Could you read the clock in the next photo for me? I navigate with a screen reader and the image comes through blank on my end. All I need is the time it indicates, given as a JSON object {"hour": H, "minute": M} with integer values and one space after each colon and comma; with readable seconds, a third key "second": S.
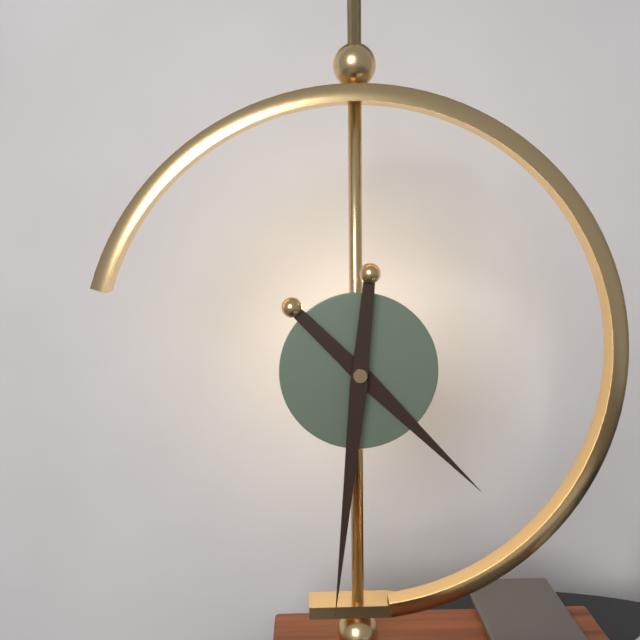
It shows {"hour": 4, "minute": 31}
